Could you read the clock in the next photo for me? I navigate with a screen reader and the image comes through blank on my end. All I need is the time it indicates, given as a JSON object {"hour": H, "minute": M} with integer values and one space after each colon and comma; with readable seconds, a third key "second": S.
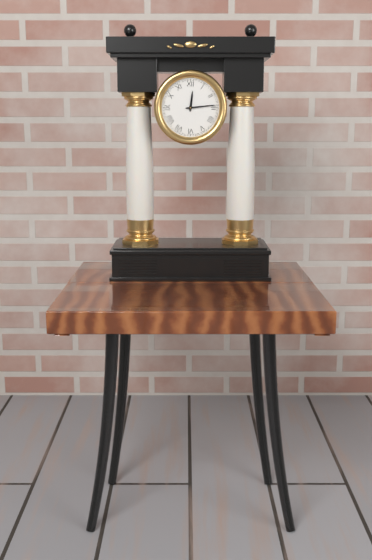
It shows {"hour": 12, "minute": 14}
